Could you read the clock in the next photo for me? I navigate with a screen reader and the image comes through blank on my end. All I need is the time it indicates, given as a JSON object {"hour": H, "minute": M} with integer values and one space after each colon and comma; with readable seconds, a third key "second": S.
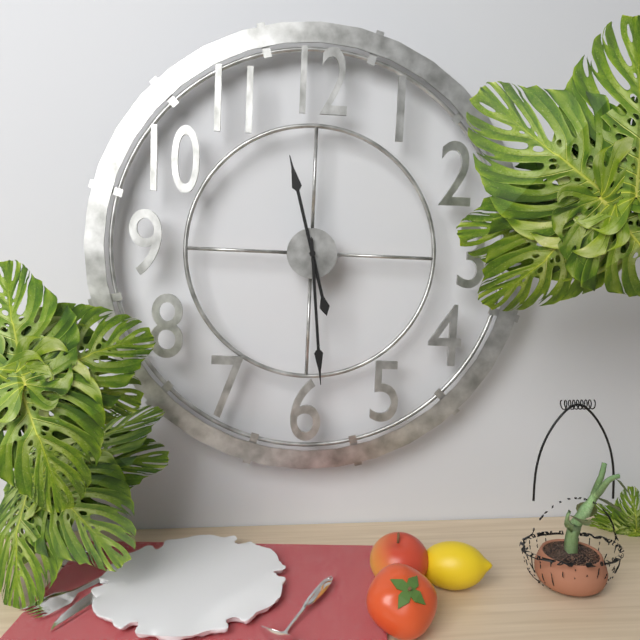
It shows {"hour": 11, "minute": 29}
